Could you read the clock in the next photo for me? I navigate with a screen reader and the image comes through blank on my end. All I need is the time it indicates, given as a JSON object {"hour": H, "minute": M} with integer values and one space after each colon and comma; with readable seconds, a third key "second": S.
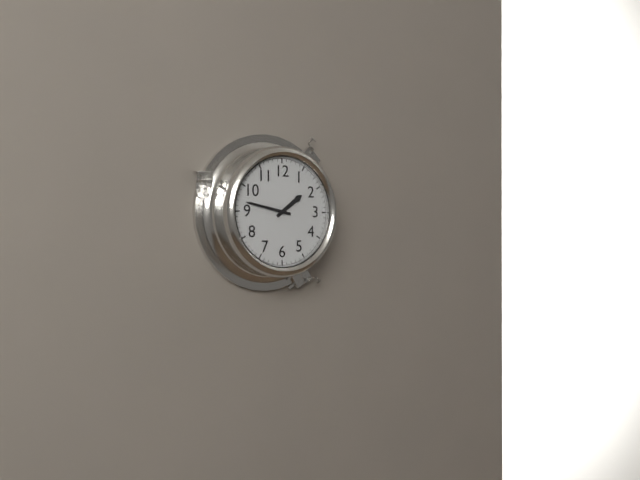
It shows {"hour": 1, "minute": 47}
